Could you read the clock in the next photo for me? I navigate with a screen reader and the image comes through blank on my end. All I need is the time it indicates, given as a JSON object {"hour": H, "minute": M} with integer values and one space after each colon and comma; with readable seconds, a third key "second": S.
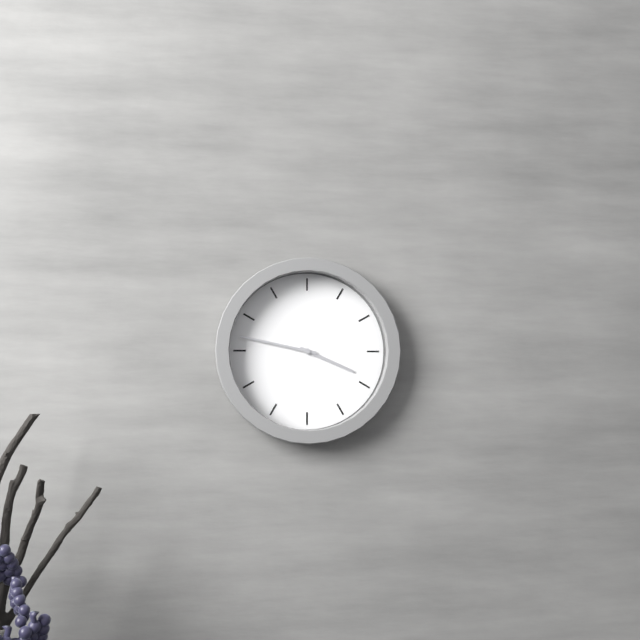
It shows {"hour": 3, "minute": 47}
